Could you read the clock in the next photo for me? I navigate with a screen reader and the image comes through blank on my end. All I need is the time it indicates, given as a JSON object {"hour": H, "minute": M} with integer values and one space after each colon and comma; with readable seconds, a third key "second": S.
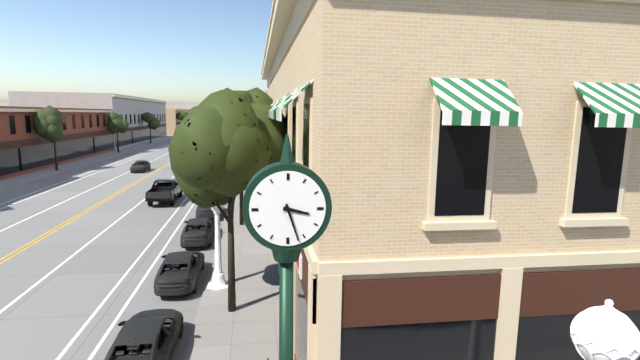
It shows {"hour": 3, "minute": 27}
